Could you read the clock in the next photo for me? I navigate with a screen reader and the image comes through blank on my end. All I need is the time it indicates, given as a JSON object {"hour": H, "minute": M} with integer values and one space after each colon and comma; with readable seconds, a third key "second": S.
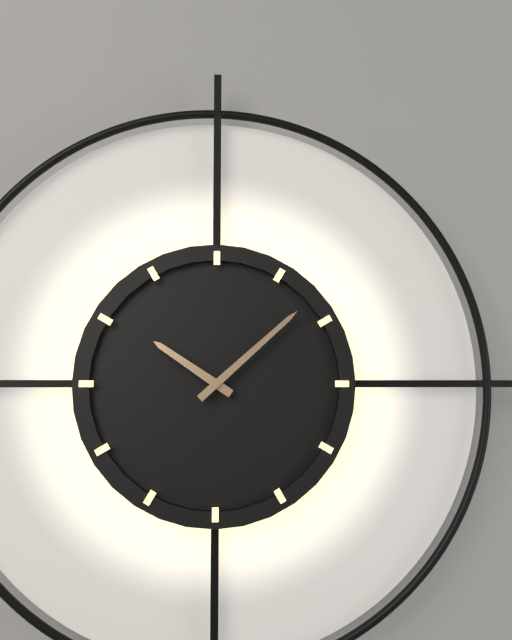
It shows {"hour": 10, "minute": 8}
